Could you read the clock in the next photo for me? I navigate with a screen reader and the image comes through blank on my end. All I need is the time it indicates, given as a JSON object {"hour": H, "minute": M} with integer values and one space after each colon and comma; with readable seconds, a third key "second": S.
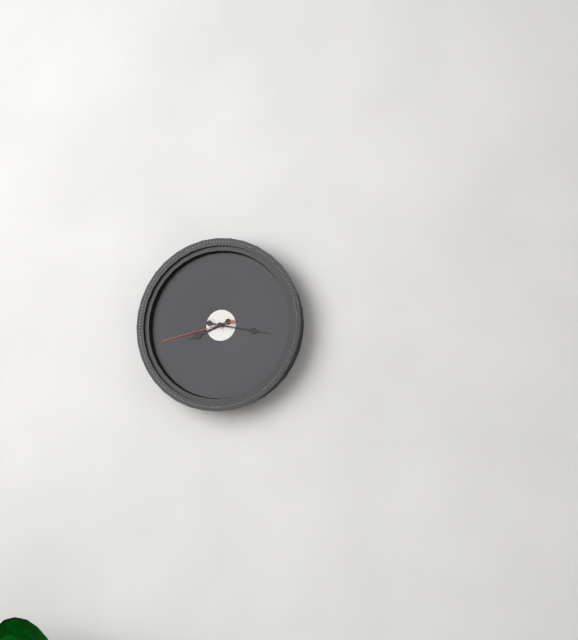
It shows {"hour": 8, "minute": 17, "second": 43}
